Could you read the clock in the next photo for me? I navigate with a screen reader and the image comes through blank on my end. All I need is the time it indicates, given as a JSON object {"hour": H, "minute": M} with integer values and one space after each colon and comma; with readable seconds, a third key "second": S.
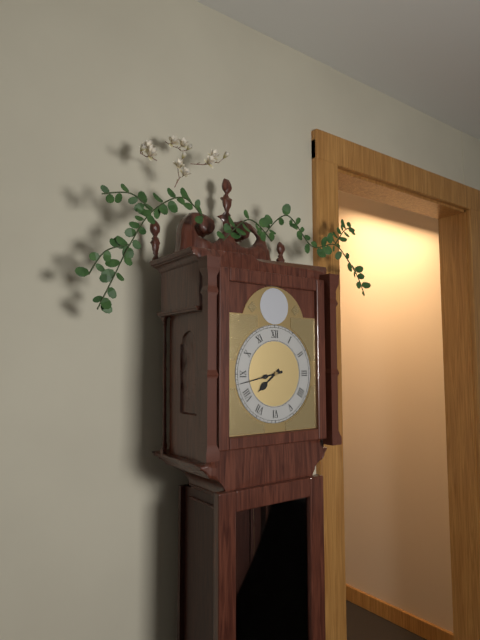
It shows {"hour": 7, "minute": 43}
